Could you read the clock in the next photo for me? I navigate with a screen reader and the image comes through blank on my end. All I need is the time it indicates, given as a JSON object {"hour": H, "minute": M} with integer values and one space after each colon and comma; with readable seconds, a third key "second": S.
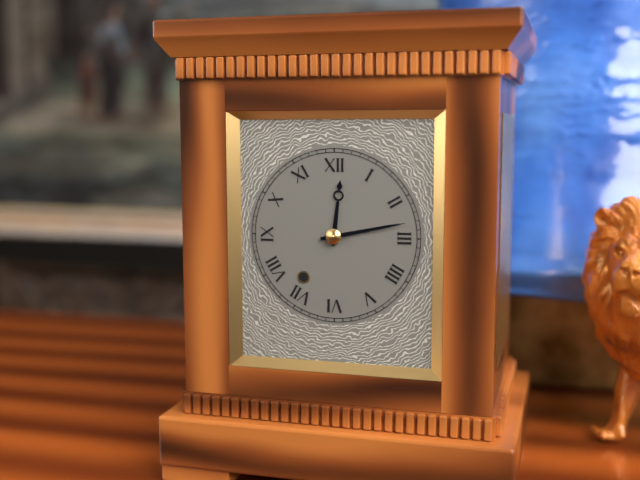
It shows {"hour": 12, "minute": 13}
